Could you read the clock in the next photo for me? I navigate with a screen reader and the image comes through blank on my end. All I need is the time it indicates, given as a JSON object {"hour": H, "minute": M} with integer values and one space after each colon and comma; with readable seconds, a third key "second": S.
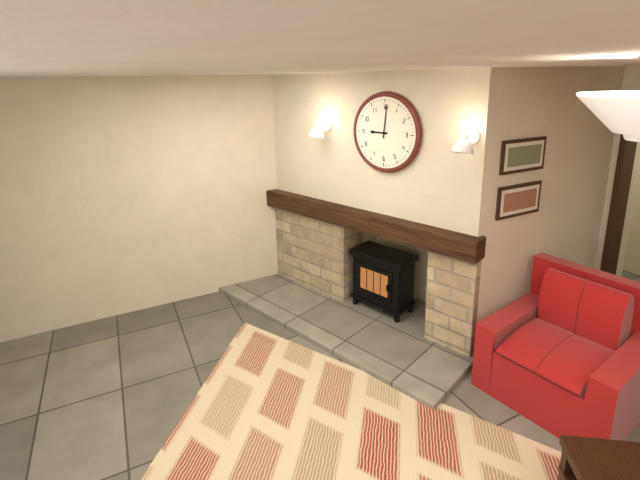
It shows {"hour": 9, "minute": 1}
